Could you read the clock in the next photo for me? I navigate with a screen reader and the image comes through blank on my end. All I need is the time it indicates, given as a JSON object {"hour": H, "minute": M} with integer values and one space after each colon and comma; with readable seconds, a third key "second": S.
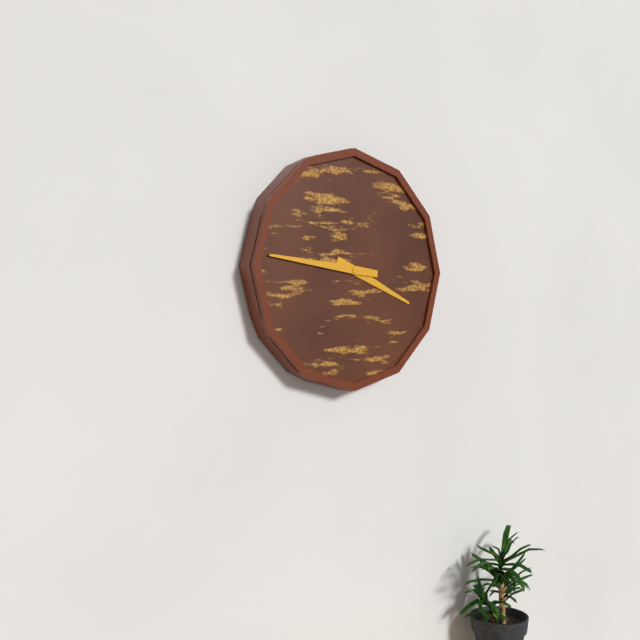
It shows {"hour": 3, "minute": 46}
